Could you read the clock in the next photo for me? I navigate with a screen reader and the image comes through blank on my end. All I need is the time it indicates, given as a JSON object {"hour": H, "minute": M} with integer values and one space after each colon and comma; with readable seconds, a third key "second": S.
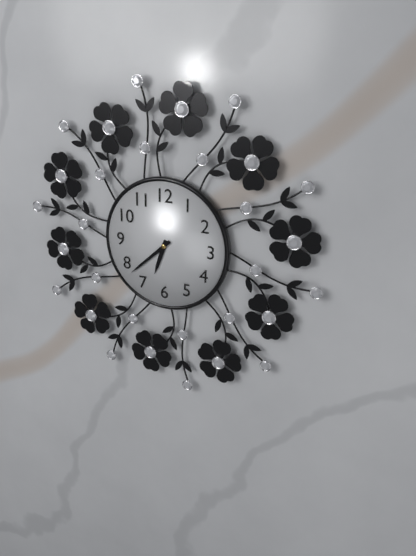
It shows {"hour": 6, "minute": 38}
